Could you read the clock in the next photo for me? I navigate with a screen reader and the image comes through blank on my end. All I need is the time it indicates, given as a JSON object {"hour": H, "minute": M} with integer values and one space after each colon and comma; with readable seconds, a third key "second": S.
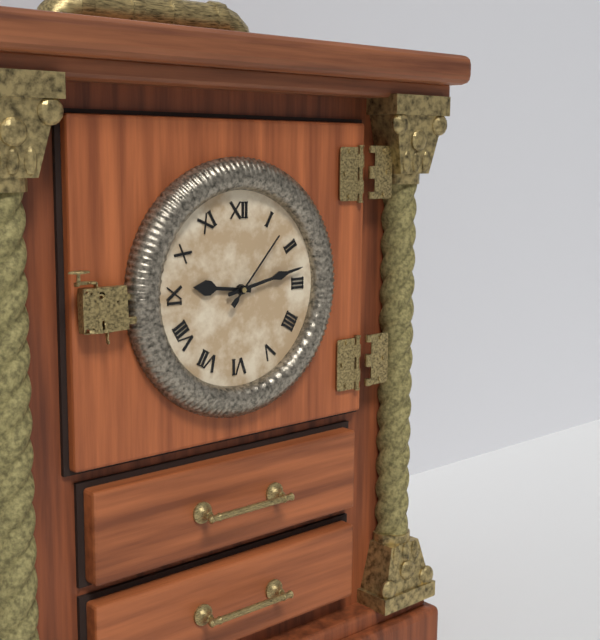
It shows {"hour": 9, "minute": 13, "second": 7}
